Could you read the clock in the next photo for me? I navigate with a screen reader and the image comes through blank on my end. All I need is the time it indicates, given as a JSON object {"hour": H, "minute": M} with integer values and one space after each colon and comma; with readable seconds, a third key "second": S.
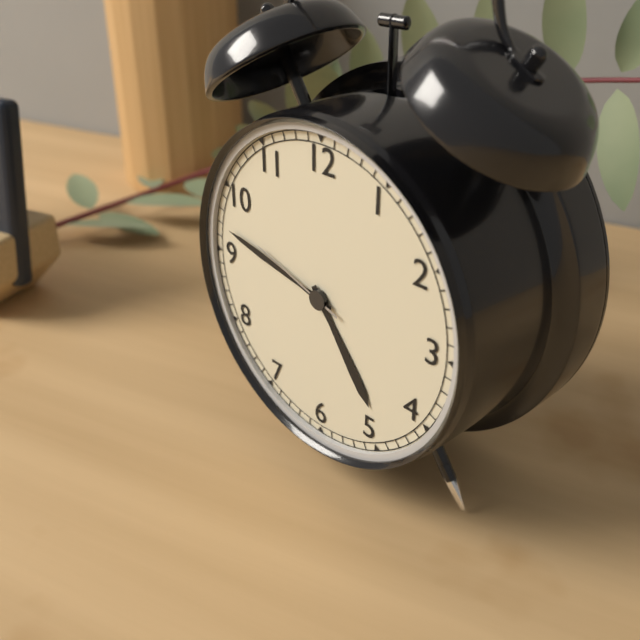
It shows {"hour": 4, "minute": 47, "second": 48}
